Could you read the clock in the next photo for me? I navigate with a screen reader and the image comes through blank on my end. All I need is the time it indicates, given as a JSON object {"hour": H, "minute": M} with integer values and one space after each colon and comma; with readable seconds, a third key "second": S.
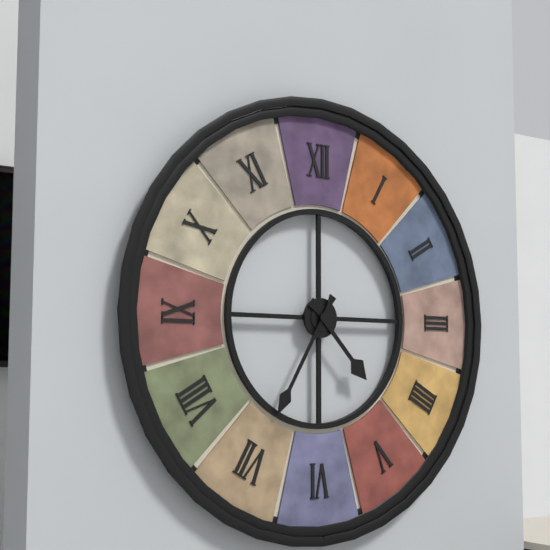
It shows {"hour": 4, "minute": 35}
